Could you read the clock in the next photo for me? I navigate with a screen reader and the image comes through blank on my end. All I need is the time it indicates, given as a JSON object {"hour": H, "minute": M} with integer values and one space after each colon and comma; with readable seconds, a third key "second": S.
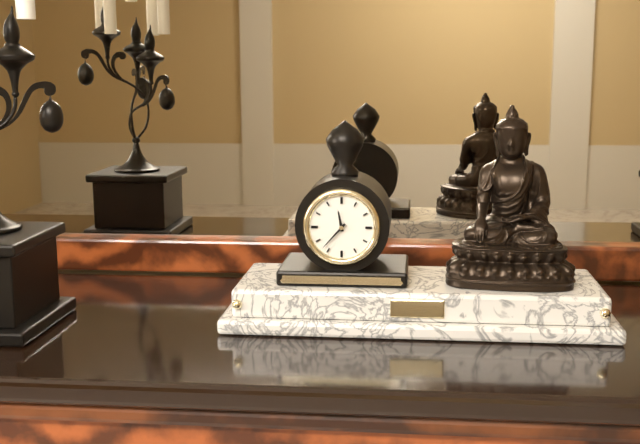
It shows {"hour": 11, "minute": 37}
